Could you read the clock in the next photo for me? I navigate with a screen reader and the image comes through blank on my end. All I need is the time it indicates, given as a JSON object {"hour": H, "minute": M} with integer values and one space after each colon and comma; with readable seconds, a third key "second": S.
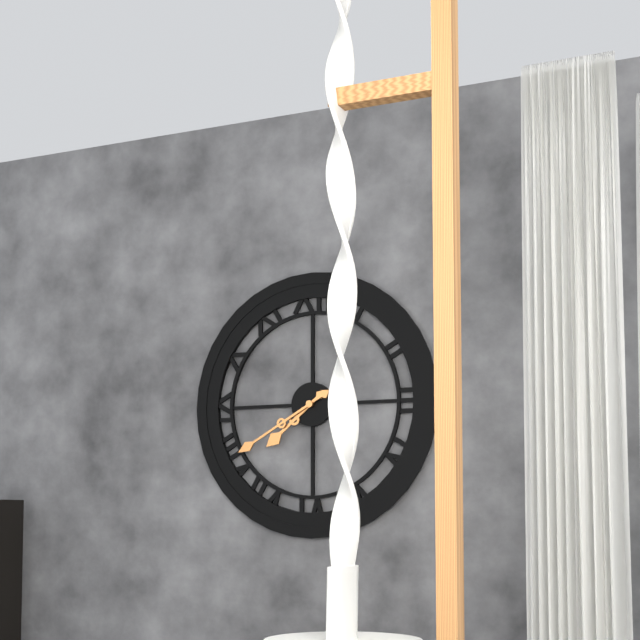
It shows {"hour": 7, "minute": 40}
